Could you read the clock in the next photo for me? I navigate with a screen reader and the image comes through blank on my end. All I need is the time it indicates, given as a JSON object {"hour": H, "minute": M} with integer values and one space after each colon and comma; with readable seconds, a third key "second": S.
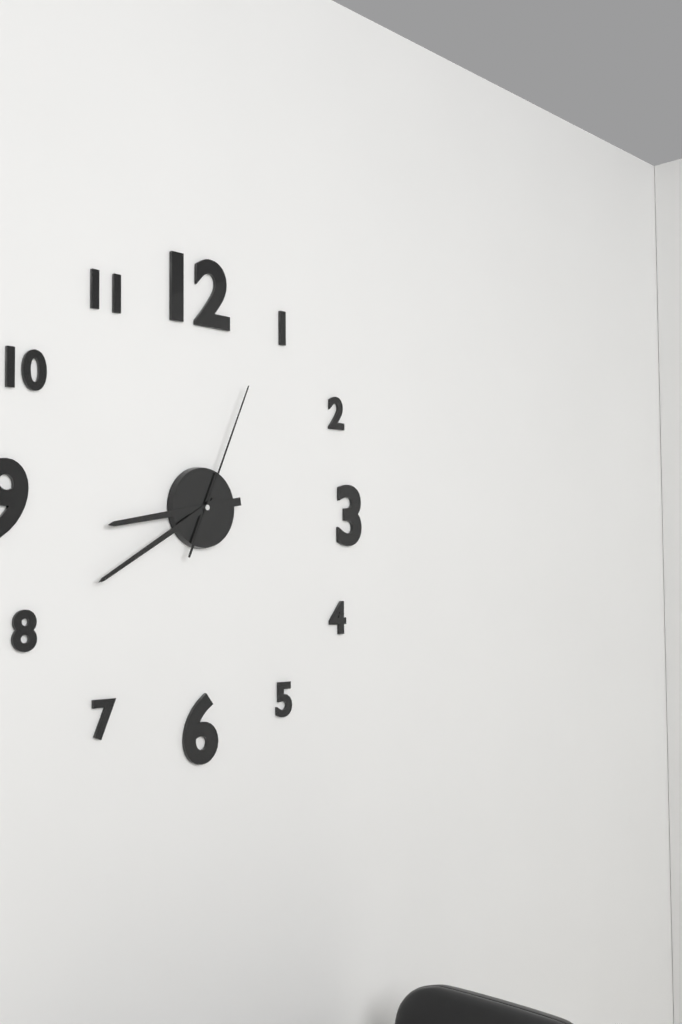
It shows {"hour": 8, "minute": 40, "second": 4}
